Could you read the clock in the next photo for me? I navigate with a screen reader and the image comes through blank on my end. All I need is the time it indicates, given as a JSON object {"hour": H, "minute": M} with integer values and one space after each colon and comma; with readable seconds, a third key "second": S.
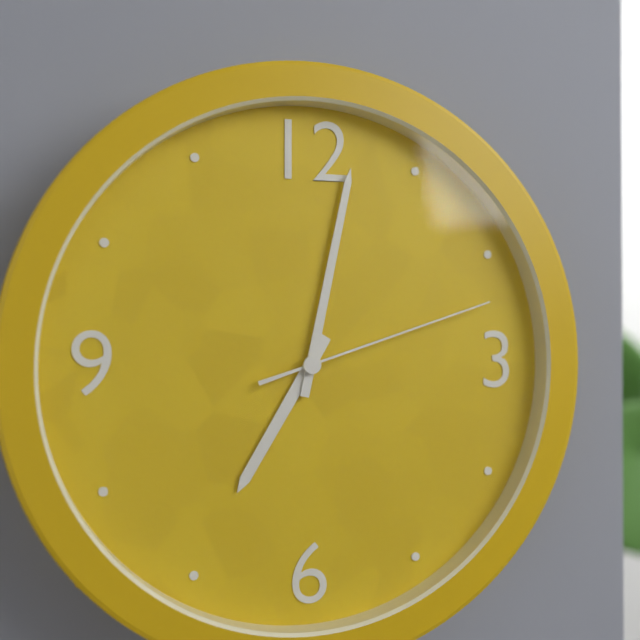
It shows {"hour": 7, "minute": 2, "second": 12}
